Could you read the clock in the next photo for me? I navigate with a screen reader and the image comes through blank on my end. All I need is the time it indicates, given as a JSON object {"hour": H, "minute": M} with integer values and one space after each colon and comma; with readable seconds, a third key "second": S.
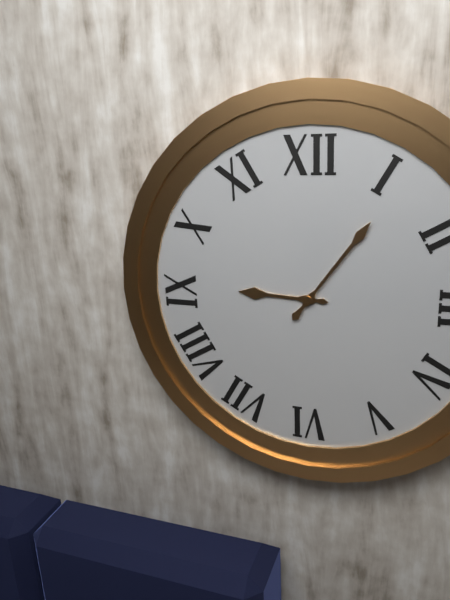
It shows {"hour": 9, "minute": 6}
